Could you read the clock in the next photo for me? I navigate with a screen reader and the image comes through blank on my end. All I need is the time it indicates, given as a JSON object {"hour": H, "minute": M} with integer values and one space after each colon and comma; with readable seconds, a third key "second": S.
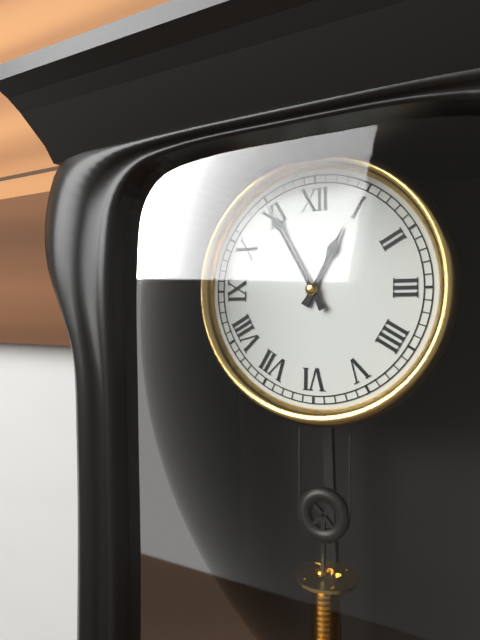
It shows {"hour": 12, "minute": 55}
